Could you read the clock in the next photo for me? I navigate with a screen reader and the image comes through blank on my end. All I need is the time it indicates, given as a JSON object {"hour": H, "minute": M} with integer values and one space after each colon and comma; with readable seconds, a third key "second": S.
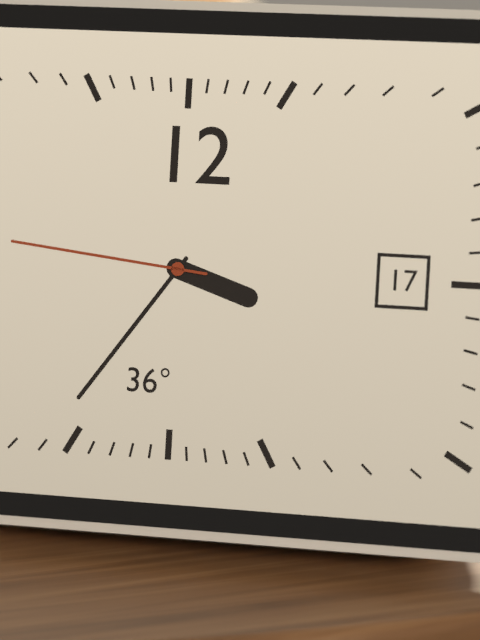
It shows {"hour": 3, "minute": 36, "second": 46}
